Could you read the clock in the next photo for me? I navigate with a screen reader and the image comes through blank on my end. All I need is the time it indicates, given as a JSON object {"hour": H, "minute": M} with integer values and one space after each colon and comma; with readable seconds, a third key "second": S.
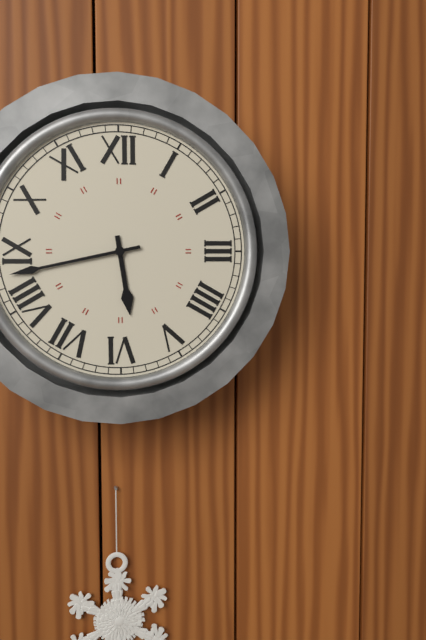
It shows {"hour": 5, "minute": 43}
